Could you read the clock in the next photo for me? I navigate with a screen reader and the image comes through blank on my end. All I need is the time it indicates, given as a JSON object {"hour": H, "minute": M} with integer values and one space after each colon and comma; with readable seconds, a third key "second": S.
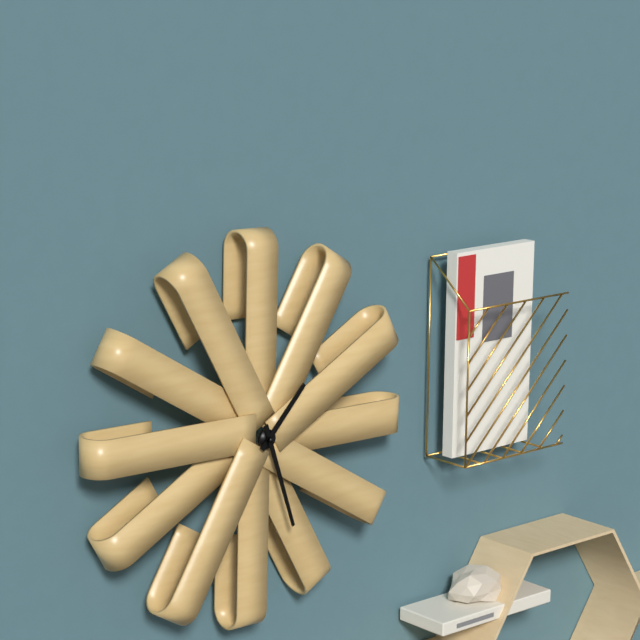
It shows {"hour": 1, "minute": 27}
